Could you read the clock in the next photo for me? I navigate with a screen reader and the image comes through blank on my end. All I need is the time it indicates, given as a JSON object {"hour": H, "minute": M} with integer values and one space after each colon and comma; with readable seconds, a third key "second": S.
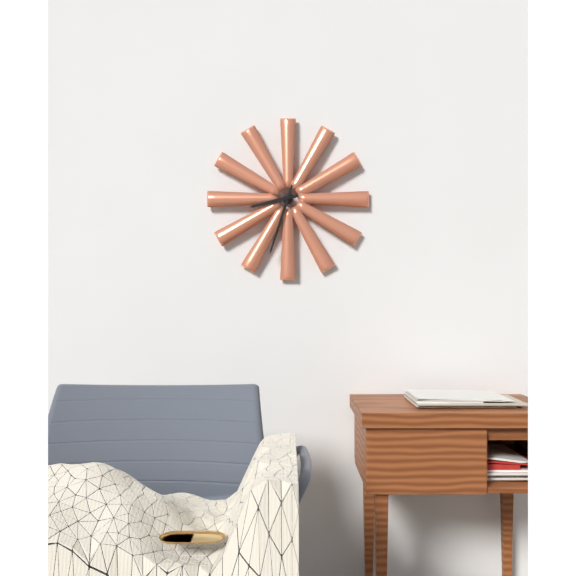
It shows {"hour": 8, "minute": 33}
